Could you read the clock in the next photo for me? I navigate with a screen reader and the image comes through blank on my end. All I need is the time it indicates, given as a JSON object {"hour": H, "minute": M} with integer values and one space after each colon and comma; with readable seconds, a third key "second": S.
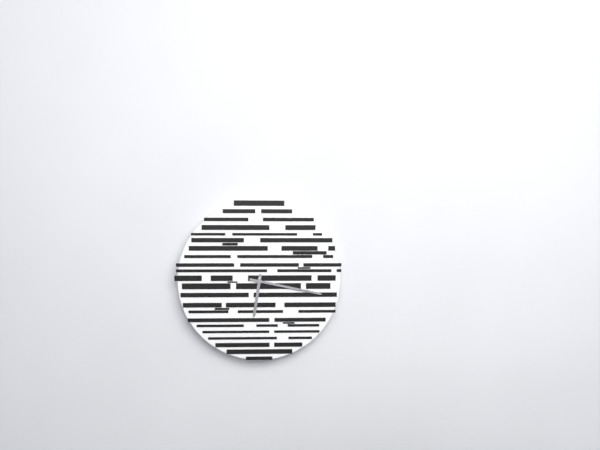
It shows {"hour": 6, "minute": 17}
